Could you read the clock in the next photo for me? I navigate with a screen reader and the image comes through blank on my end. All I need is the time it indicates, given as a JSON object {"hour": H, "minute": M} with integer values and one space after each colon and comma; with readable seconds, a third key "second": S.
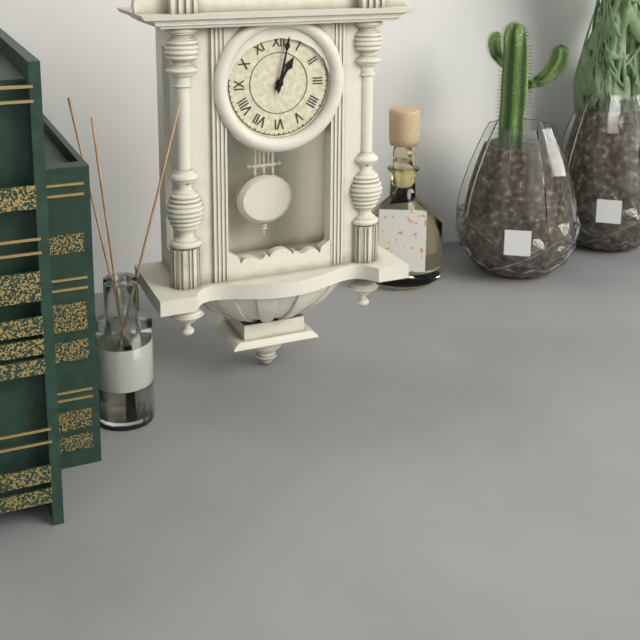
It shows {"hour": 1, "minute": 2}
